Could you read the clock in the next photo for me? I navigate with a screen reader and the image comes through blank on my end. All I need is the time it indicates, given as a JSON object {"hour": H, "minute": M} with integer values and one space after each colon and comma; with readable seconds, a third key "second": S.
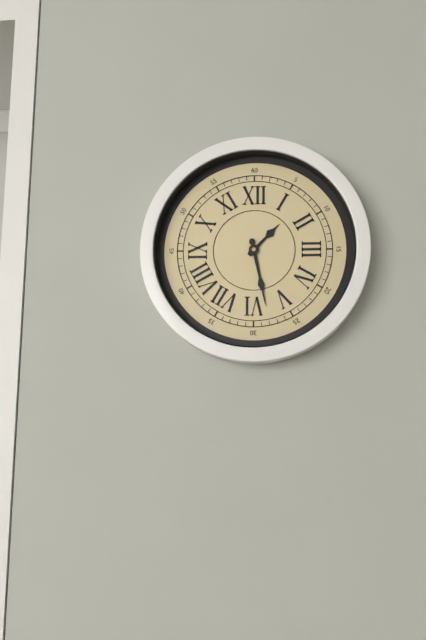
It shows {"hour": 1, "minute": 28}
